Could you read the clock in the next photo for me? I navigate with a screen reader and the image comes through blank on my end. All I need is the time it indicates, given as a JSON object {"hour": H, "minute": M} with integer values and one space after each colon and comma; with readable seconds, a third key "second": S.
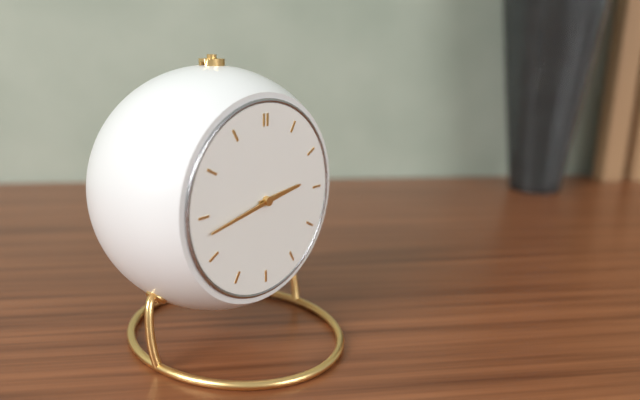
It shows {"hour": 2, "minute": 43}
